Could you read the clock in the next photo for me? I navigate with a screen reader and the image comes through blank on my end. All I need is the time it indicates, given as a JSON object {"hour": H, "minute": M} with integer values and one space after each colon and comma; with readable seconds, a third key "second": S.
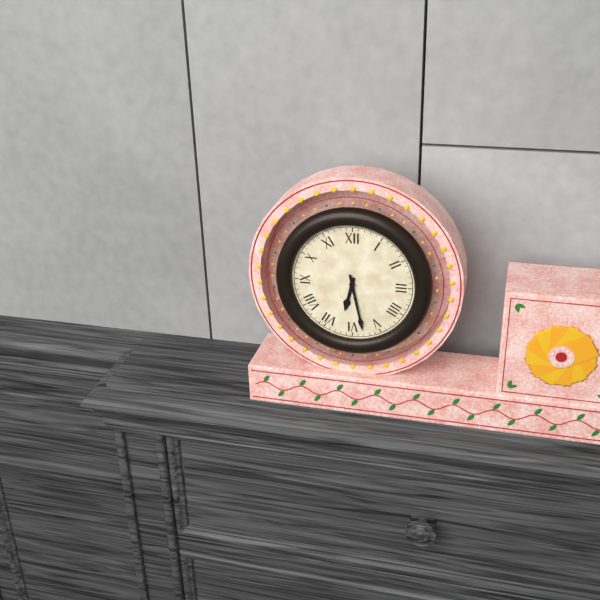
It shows {"hour": 6, "minute": 28}
